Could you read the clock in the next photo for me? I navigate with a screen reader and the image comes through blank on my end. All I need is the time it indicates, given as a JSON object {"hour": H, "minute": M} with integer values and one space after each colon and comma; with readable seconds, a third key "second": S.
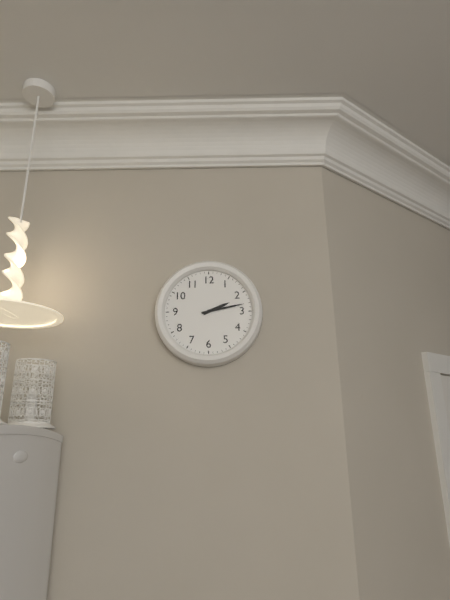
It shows {"hour": 2, "minute": 13}
